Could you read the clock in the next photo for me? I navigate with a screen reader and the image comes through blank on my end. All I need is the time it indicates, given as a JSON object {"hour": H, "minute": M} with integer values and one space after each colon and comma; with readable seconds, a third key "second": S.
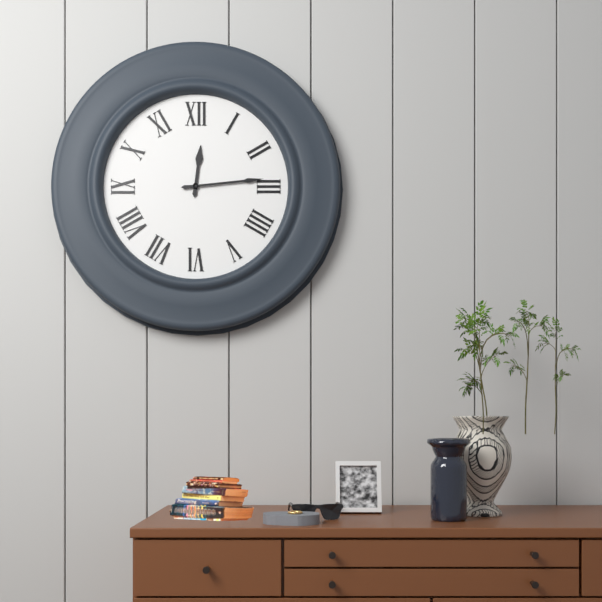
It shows {"hour": 12, "minute": 14}
